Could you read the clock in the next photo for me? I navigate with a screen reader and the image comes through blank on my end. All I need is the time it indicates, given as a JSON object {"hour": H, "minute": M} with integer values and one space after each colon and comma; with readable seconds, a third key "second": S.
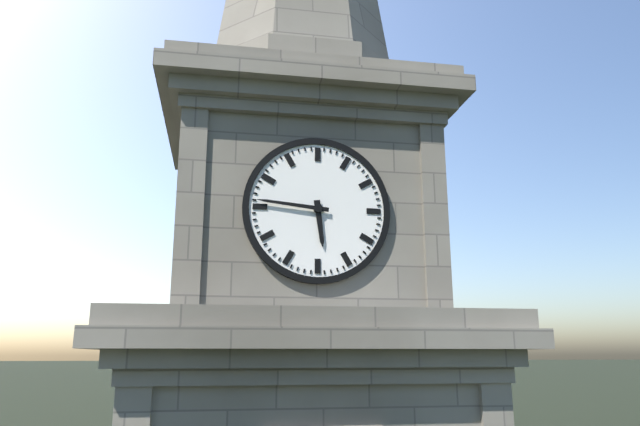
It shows {"hour": 5, "minute": 46}
